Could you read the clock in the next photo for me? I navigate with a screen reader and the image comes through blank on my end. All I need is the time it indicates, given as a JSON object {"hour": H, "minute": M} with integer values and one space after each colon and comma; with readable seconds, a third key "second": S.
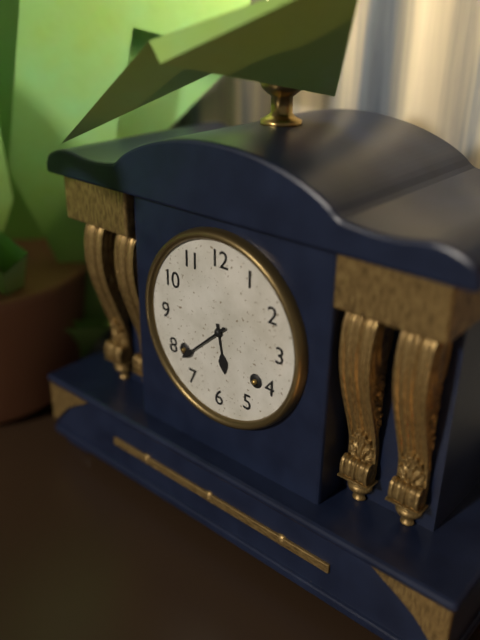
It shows {"hour": 5, "minute": 38}
